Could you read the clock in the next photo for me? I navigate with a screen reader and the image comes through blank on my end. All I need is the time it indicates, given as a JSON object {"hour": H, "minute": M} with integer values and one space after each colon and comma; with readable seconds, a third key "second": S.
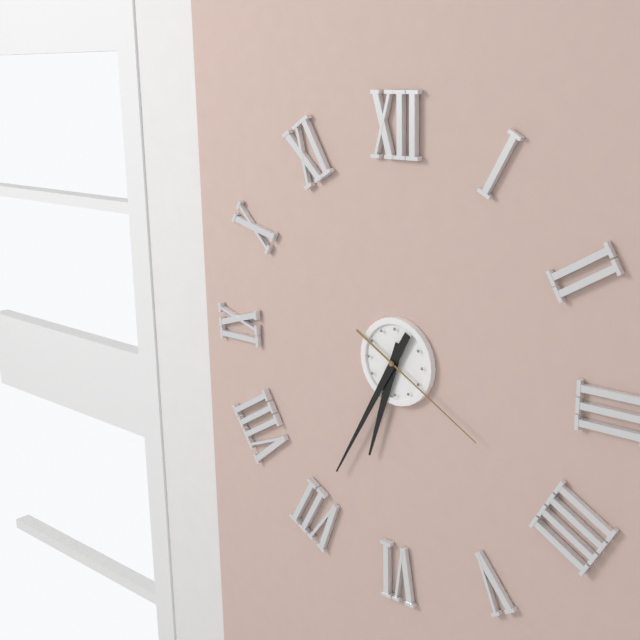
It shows {"hour": 6, "minute": 35, "second": 20}
